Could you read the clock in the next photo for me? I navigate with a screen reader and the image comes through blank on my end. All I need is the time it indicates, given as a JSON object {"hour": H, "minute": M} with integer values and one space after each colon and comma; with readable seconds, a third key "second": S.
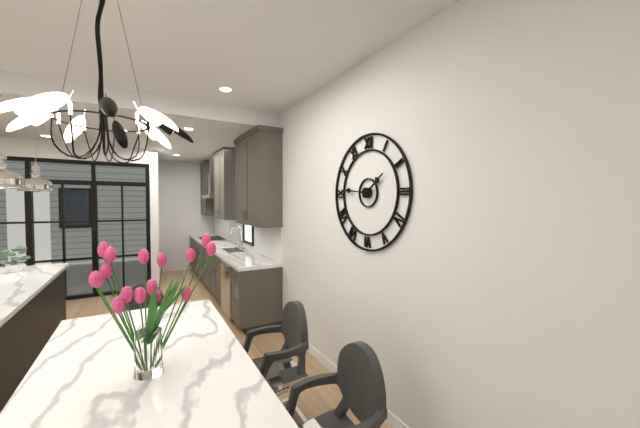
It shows {"hour": 1, "minute": 46}
